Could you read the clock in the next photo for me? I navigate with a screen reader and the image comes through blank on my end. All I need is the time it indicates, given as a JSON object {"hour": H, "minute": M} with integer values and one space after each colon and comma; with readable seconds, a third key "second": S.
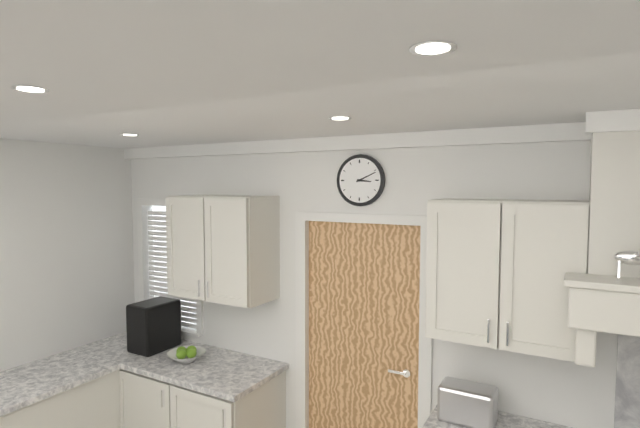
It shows {"hour": 3, "minute": 11}
